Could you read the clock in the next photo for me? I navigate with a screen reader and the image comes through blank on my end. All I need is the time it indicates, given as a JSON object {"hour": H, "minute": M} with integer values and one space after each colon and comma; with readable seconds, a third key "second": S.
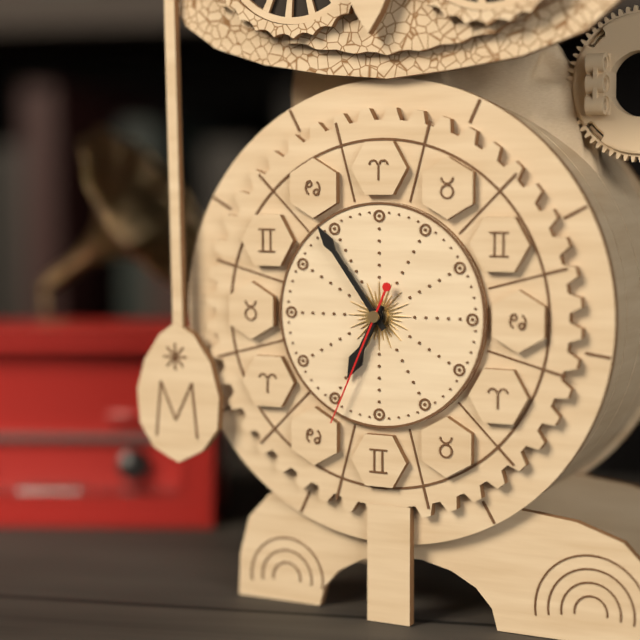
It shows {"hour": 6, "minute": 54, "second": 34}
